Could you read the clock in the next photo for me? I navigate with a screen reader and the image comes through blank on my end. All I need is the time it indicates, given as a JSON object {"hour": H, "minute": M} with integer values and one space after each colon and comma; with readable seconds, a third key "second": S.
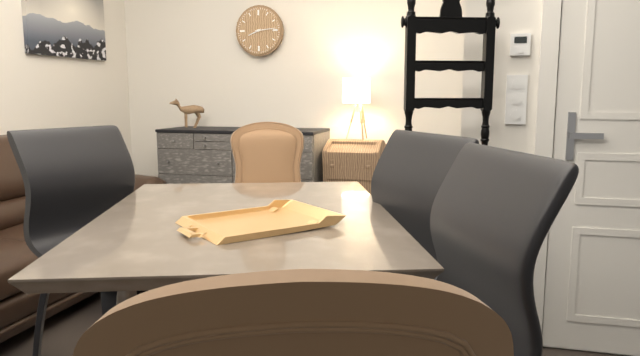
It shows {"hour": 8, "minute": 14}
